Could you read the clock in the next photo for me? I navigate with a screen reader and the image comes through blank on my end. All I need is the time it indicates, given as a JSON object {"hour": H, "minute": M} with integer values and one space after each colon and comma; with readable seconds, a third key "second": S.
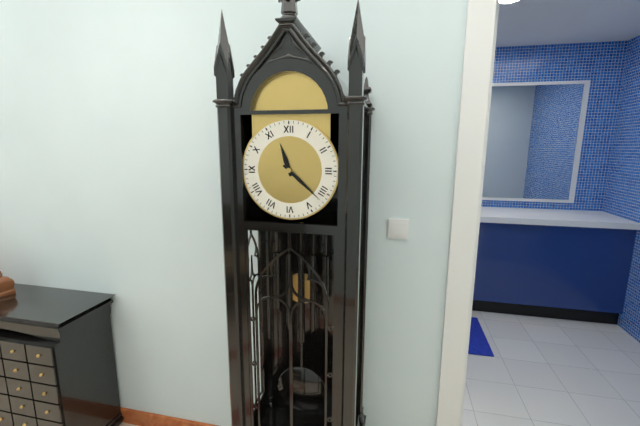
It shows {"hour": 11, "minute": 22}
